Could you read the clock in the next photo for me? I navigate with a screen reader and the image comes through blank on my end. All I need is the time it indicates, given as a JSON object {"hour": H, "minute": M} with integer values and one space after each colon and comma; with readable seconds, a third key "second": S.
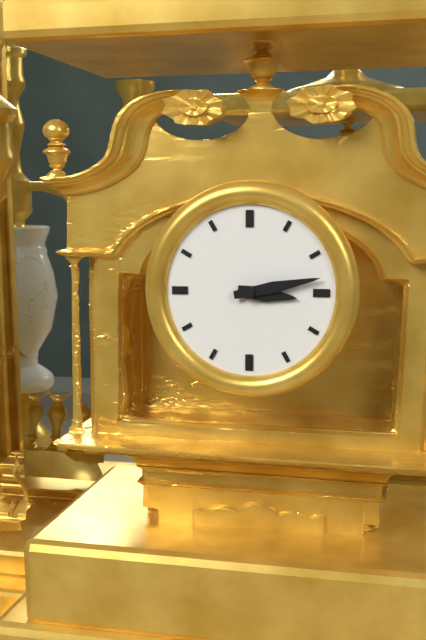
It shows {"hour": 3, "minute": 13}
